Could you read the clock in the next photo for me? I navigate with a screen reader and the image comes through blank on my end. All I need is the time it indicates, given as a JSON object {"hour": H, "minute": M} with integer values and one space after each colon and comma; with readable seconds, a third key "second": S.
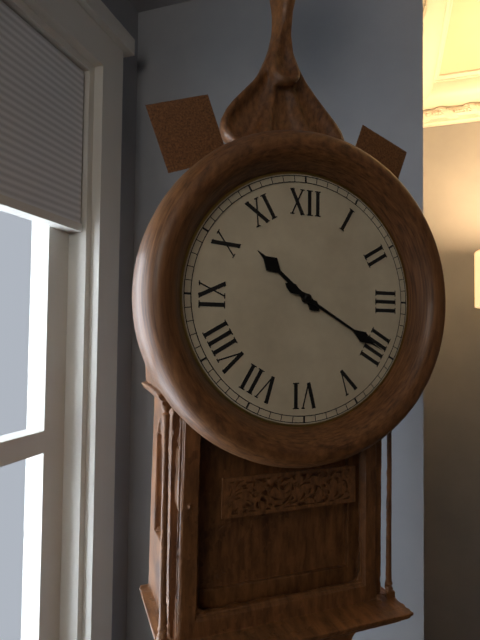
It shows {"hour": 10, "minute": 20}
